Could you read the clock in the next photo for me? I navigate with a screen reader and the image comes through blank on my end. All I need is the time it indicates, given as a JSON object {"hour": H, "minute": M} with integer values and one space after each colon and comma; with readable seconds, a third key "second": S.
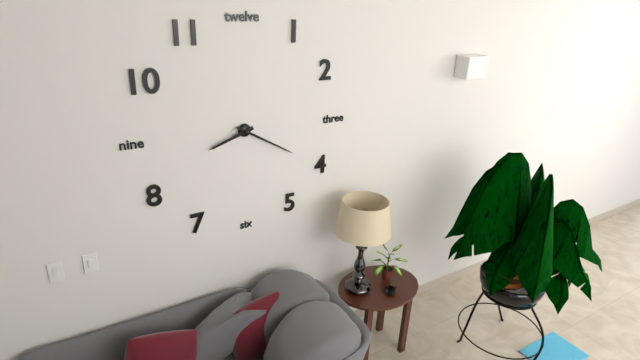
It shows {"hour": 8, "minute": 20}
